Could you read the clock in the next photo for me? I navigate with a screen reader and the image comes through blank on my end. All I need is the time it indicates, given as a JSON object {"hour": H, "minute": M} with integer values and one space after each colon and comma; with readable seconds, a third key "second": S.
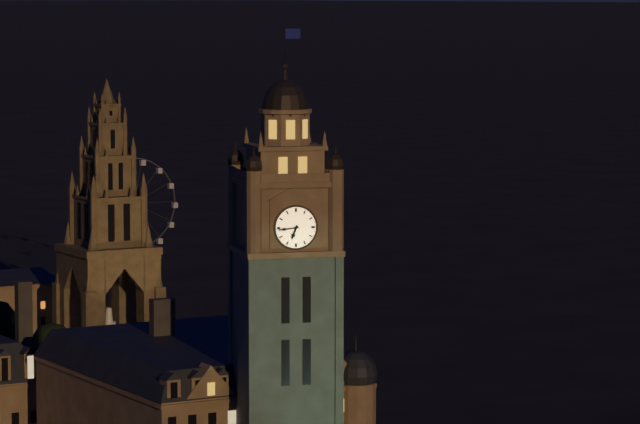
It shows {"hour": 6, "minute": 44}
